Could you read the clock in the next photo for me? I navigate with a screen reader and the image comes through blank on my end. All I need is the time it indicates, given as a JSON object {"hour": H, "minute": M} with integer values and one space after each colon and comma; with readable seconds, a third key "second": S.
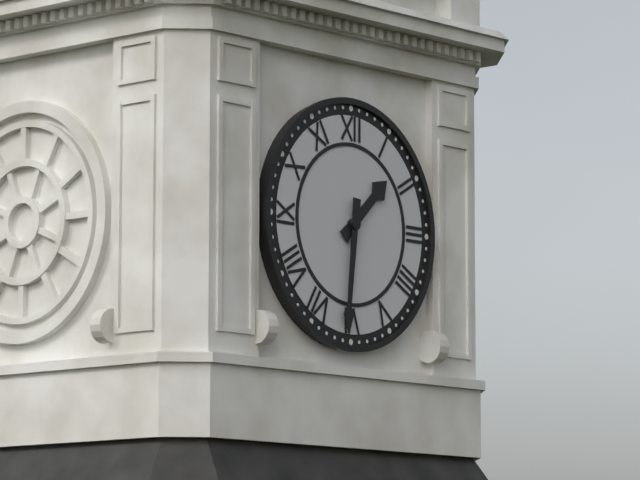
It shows {"hour": 1, "minute": 31}
